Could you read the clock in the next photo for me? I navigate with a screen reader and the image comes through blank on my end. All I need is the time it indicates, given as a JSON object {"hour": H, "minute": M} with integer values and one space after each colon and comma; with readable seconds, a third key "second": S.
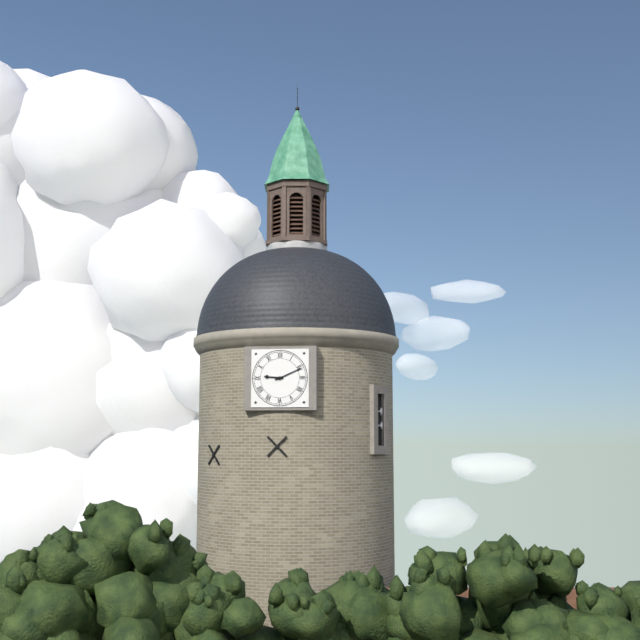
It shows {"hour": 9, "minute": 11}
